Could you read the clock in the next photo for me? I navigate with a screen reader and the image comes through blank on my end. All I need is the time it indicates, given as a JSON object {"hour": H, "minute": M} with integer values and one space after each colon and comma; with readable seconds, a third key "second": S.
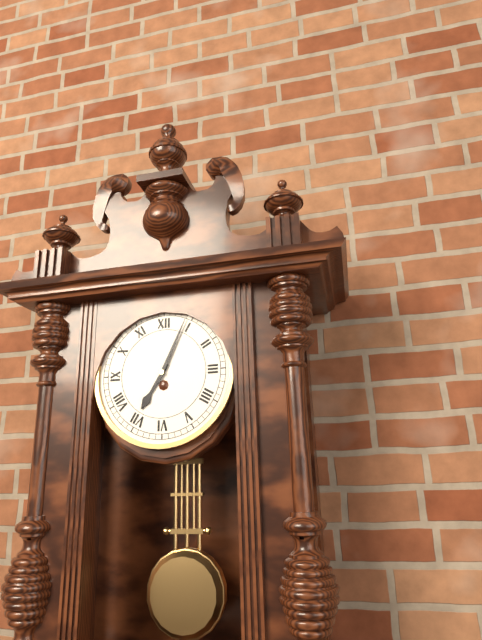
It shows {"hour": 7, "minute": 4}
